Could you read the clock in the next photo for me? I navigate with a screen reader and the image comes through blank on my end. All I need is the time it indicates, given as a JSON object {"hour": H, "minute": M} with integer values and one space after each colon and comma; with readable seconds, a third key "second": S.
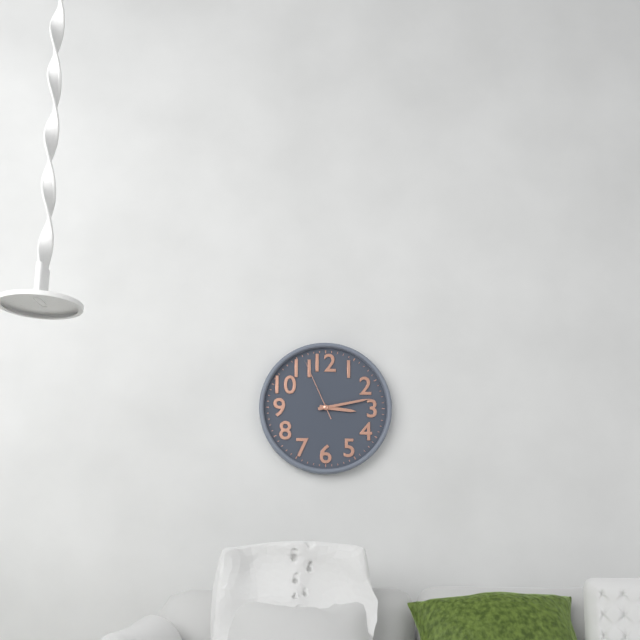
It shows {"hour": 3, "minute": 13, "second": 56}
